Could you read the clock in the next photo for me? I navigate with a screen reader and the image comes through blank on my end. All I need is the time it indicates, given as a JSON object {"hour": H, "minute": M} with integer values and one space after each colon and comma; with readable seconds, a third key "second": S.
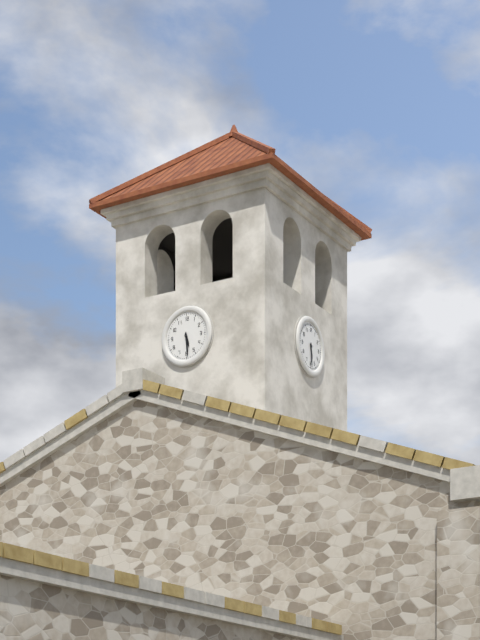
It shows {"hour": 5, "minute": 29}
